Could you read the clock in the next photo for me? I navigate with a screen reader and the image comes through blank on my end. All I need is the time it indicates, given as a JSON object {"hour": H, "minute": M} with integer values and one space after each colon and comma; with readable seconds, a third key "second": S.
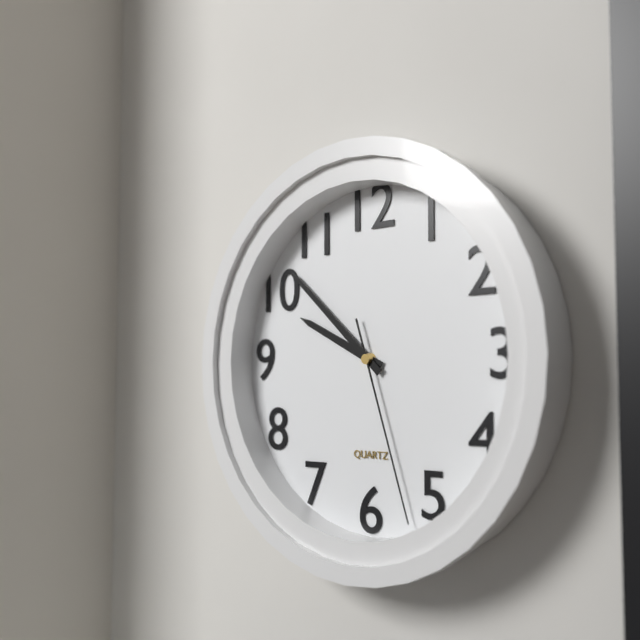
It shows {"hour": 9, "minute": 52, "second": 27}
